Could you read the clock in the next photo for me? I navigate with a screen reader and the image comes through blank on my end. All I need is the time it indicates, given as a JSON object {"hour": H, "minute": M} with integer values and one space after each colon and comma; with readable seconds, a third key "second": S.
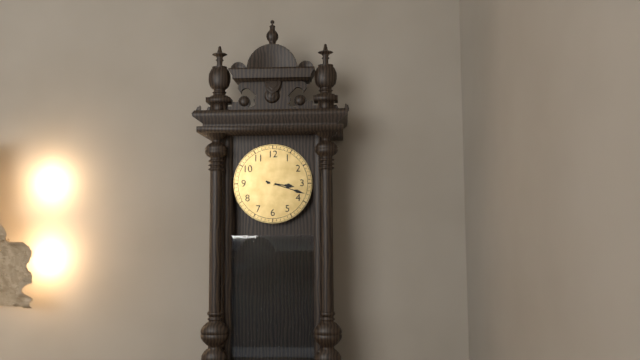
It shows {"hour": 3, "minute": 18}
